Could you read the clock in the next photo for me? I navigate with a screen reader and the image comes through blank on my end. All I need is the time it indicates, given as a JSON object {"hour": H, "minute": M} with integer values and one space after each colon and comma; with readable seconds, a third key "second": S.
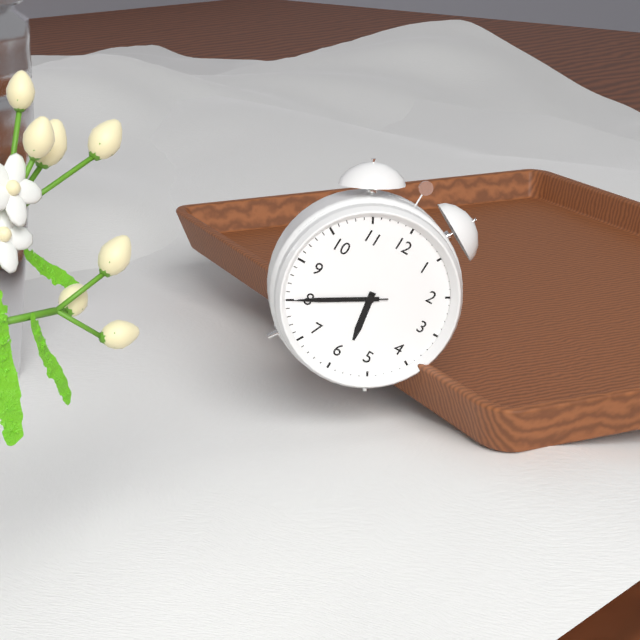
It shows {"hour": 5, "minute": 40, "second": 40}
